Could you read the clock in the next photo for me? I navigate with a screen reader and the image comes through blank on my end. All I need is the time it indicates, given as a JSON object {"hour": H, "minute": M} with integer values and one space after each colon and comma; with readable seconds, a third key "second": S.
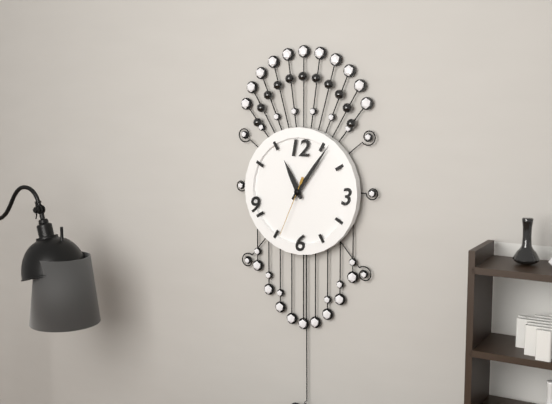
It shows {"hour": 11, "minute": 6, "second": 34}
